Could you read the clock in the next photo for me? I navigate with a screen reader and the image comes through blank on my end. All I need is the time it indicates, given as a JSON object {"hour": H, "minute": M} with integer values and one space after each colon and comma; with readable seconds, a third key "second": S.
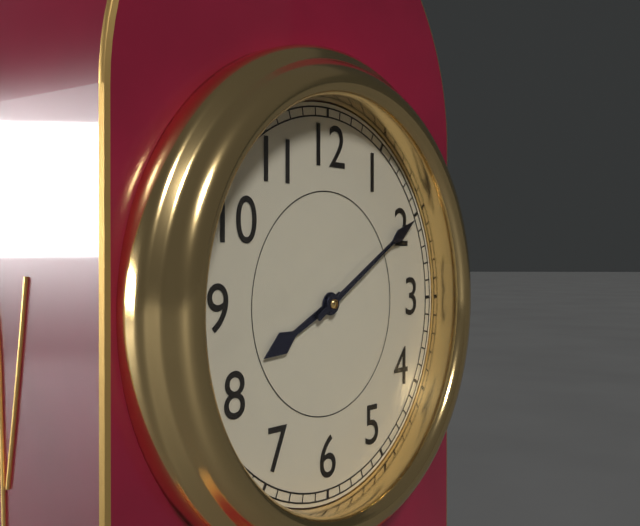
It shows {"hour": 8, "minute": 10}
